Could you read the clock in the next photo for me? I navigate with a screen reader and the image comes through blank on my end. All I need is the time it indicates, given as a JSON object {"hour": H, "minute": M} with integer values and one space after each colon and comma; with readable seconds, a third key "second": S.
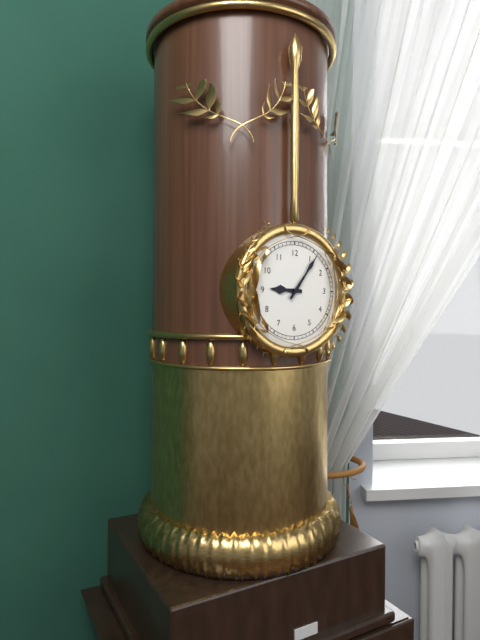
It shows {"hour": 9, "minute": 6}
